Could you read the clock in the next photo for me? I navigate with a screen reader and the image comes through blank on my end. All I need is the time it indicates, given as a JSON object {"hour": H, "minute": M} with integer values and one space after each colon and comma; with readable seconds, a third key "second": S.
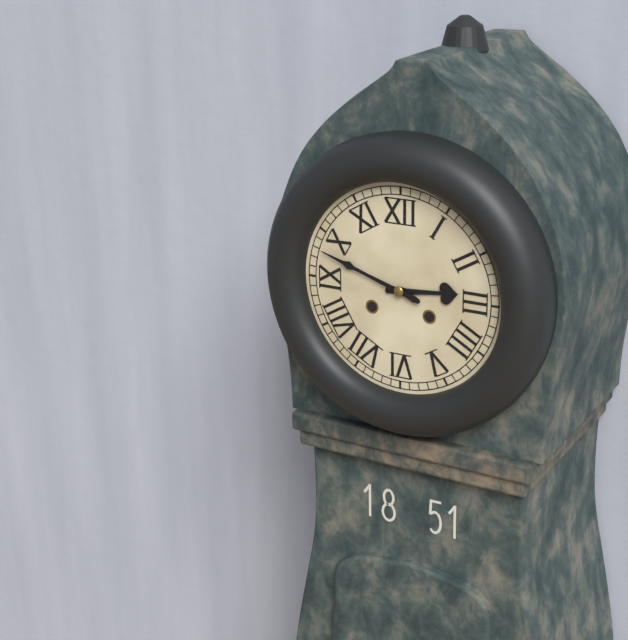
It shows {"hour": 2, "minute": 48}
